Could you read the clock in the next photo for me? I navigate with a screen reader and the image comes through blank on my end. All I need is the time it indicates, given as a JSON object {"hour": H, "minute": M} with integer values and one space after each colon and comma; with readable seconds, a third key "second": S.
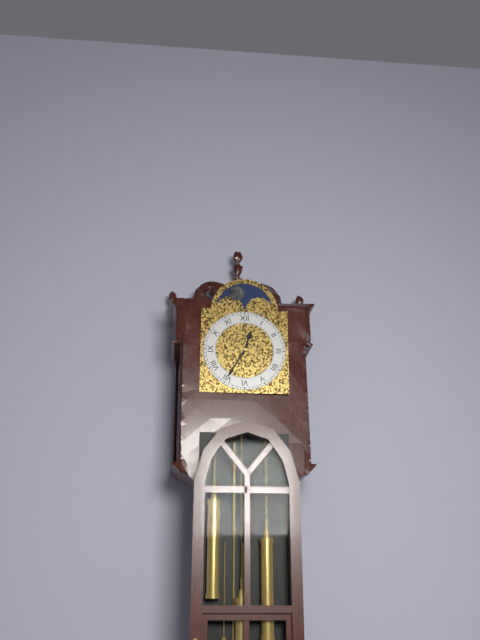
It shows {"hour": 12, "minute": 35}
